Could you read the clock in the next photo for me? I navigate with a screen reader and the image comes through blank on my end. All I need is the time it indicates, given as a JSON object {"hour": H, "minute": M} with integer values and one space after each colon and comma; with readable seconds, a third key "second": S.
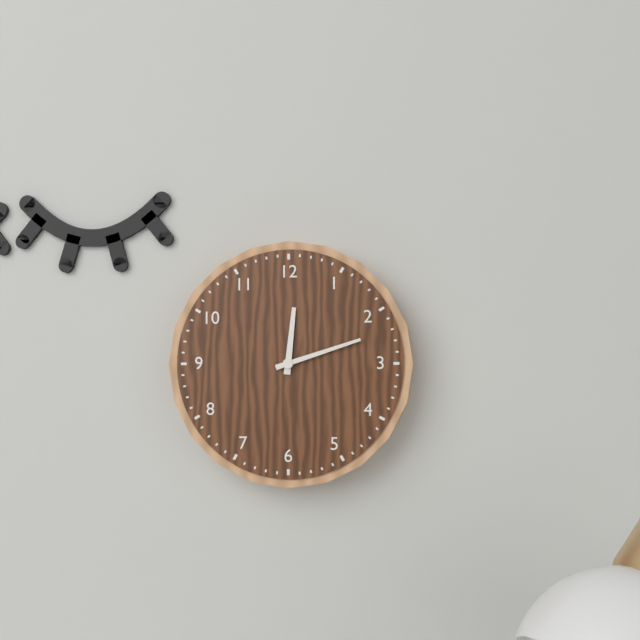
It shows {"hour": 12, "minute": 12}
